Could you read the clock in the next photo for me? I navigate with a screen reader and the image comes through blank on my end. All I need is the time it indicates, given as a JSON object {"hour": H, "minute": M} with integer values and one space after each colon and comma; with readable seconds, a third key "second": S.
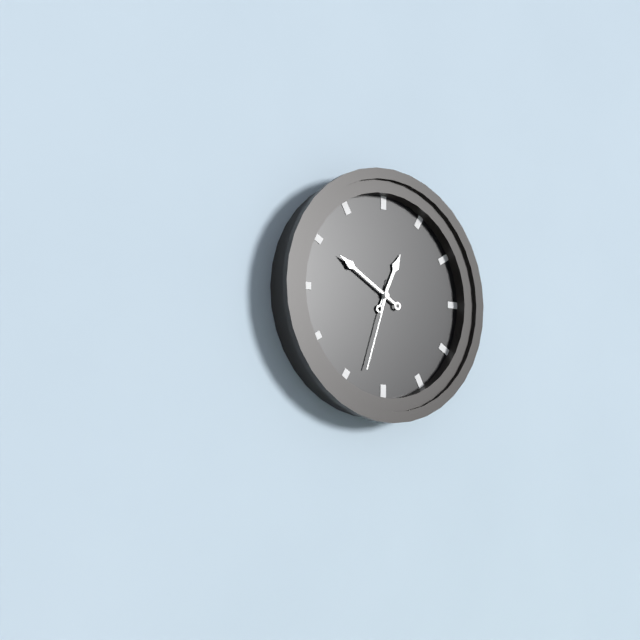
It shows {"hour": 12, "minute": 50, "second": 33}
